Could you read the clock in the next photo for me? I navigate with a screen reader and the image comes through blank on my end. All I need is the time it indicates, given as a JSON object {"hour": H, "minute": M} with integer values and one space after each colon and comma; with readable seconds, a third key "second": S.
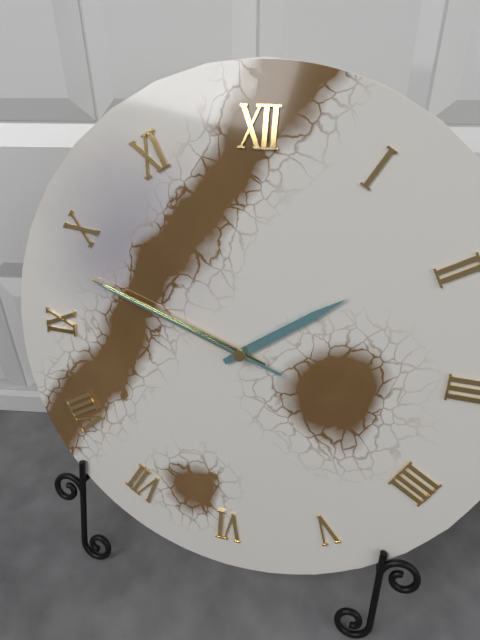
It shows {"hour": 1, "minute": 48, "second": 48}
